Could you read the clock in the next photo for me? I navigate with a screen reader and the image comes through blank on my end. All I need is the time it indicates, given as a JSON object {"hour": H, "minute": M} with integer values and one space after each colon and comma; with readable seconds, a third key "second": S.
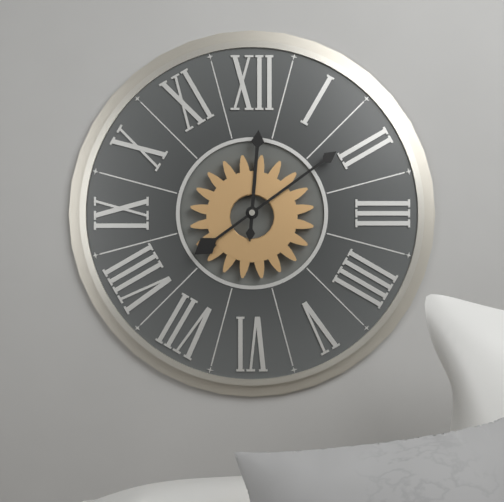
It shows {"hour": 12, "minute": 9}
